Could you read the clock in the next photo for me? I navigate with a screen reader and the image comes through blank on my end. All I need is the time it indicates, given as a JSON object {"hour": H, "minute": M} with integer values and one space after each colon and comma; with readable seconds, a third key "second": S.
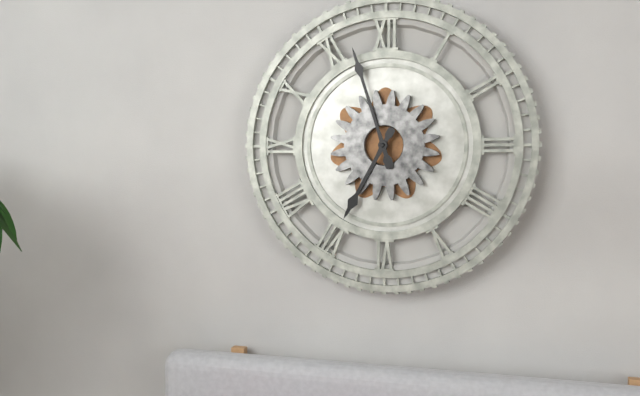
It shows {"hour": 6, "minute": 57}
